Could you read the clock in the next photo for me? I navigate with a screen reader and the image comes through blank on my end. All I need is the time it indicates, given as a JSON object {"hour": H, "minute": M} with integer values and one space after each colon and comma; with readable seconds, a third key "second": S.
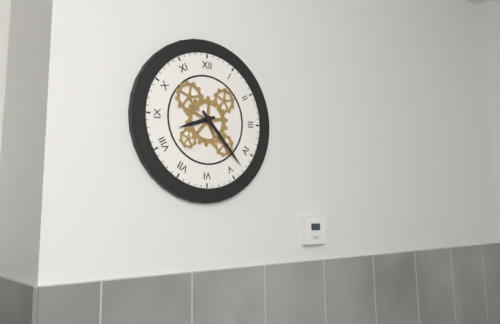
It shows {"hour": 8, "minute": 23}
